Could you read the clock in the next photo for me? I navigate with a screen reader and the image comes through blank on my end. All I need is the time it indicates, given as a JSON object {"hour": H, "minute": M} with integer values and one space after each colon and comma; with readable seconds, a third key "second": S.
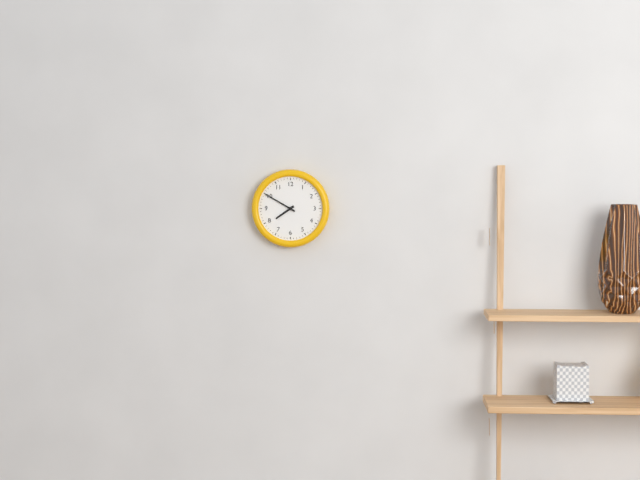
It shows {"hour": 7, "minute": 50}
